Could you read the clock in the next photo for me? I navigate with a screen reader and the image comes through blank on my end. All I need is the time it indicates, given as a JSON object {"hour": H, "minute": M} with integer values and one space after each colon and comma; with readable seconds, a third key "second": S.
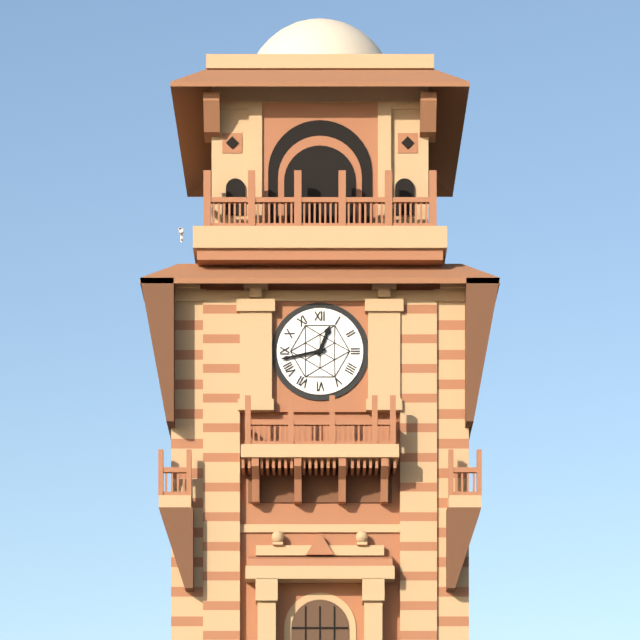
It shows {"hour": 12, "minute": 43}
